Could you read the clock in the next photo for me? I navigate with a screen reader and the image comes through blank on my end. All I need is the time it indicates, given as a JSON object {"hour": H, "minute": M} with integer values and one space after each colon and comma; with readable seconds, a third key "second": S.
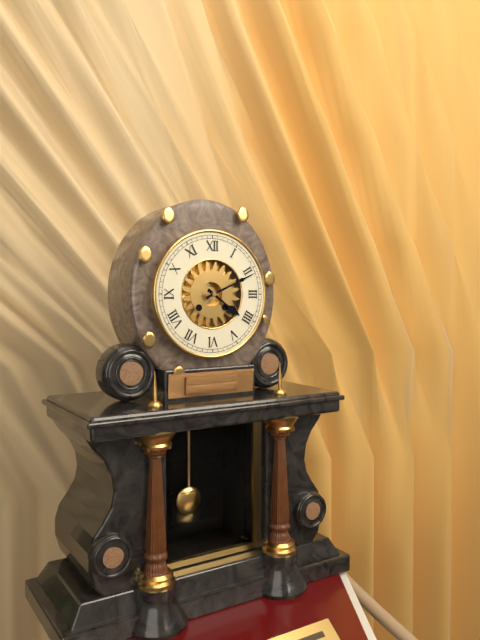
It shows {"hour": 4, "minute": 11}
